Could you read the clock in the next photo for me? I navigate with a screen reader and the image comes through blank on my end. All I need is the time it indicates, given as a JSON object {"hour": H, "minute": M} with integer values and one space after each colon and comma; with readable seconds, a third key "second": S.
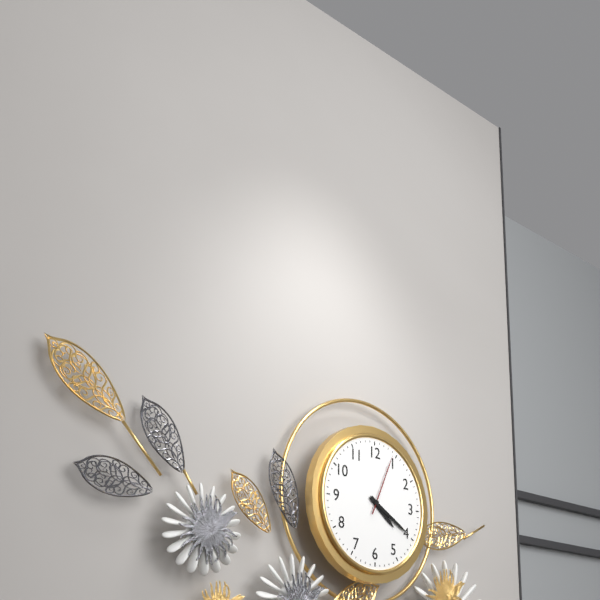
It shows {"hour": 4, "minute": 20, "second": 4}
